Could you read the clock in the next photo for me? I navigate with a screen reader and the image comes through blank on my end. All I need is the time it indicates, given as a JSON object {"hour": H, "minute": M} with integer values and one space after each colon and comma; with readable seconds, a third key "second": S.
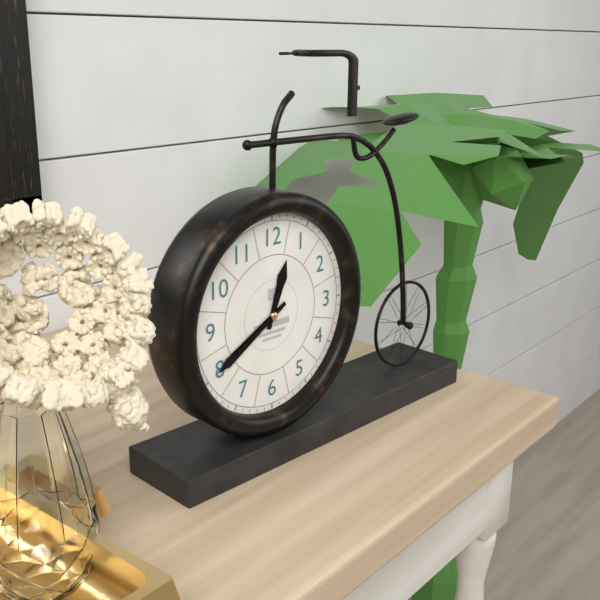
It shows {"hour": 12, "minute": 40}
